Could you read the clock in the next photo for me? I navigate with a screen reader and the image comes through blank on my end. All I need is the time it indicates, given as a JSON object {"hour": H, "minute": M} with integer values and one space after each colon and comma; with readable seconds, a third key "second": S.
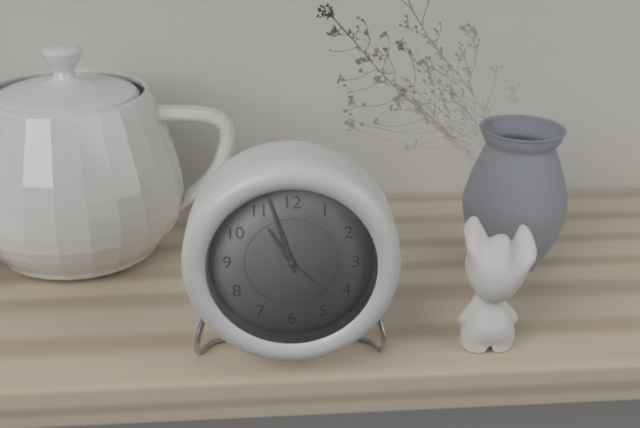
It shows {"hour": 10, "minute": 57, "second": 22}
